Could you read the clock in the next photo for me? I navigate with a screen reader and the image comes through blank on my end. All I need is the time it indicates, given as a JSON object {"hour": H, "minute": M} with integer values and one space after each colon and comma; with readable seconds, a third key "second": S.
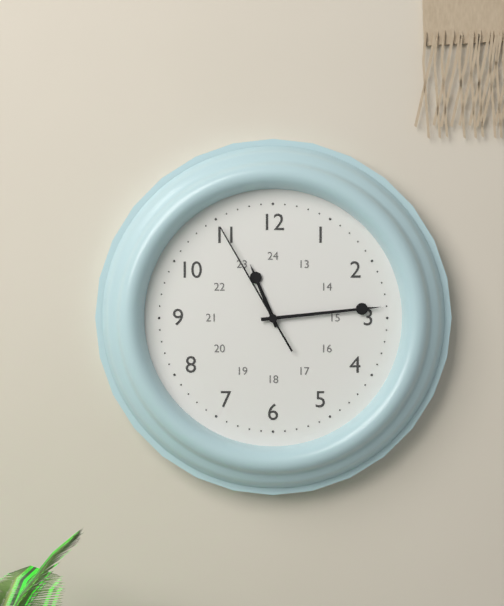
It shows {"hour": 11, "minute": 14, "second": 55}
